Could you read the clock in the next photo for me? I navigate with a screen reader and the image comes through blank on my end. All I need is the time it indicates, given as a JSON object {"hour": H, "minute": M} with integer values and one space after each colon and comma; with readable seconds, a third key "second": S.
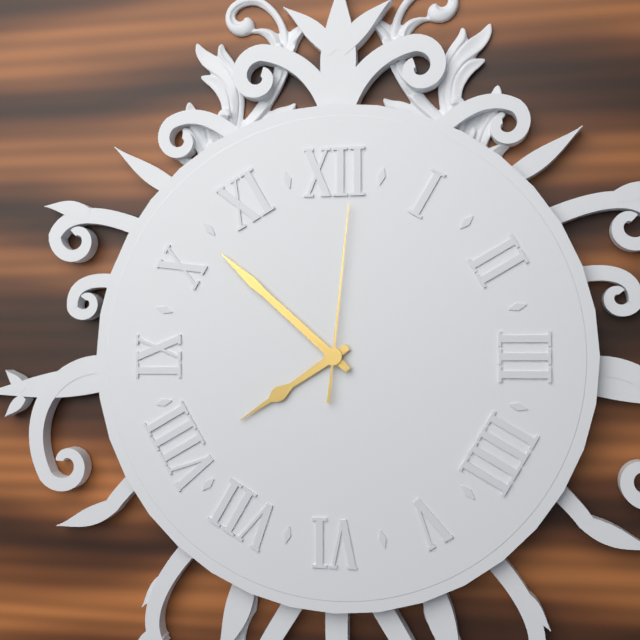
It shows {"hour": 7, "minute": 52, "second": 1}
